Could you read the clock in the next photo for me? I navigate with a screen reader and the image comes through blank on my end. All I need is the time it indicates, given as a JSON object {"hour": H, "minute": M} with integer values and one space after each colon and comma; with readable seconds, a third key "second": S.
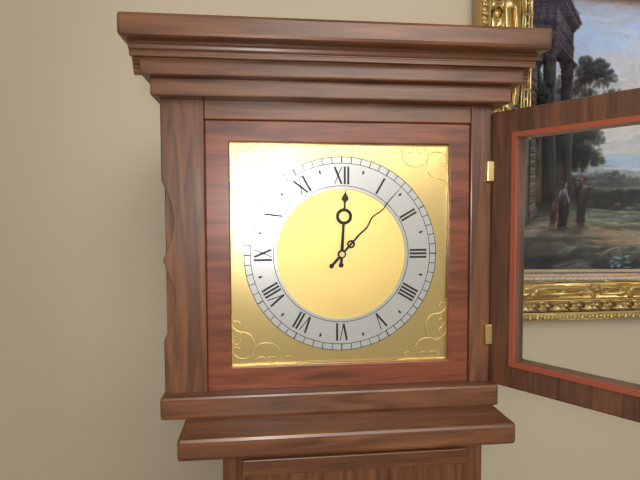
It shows {"hour": 12, "minute": 7}
